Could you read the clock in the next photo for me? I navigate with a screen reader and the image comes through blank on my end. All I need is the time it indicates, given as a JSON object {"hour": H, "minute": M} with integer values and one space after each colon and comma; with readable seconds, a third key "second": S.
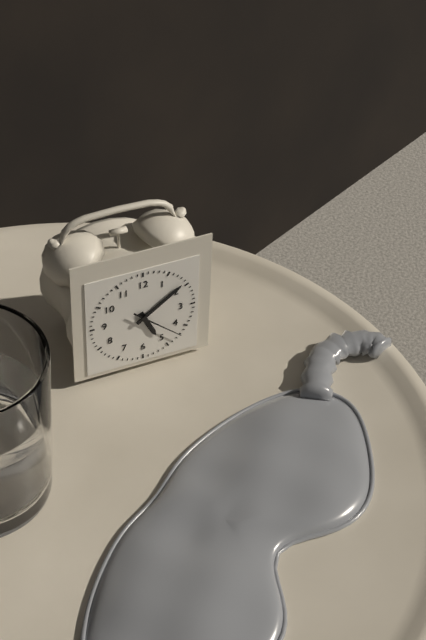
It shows {"hour": 5, "minute": 9, "second": 22}
